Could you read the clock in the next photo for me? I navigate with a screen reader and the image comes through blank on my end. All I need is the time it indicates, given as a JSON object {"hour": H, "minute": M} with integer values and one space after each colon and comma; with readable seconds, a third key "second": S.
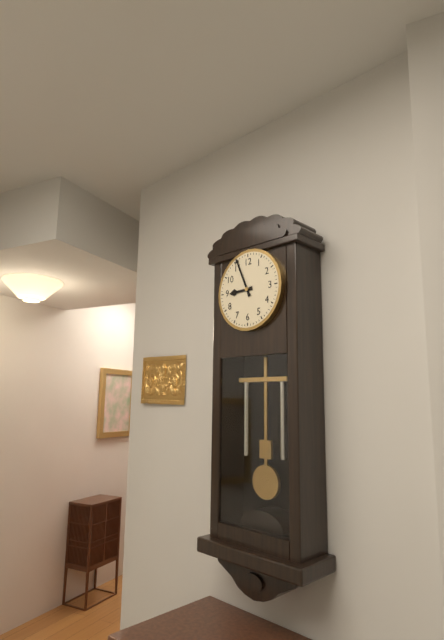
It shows {"hour": 8, "minute": 56}
